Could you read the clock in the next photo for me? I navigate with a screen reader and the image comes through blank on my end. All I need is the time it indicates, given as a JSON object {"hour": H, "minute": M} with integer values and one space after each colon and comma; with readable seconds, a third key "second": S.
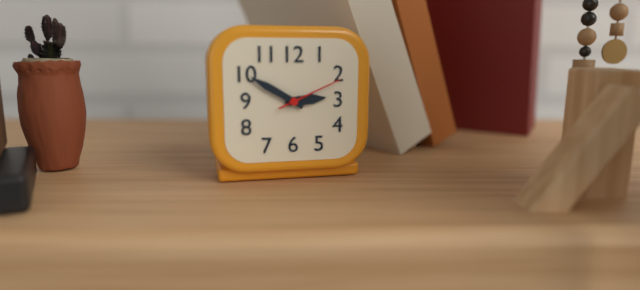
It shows {"hour": 2, "minute": 50, "second": 11}
